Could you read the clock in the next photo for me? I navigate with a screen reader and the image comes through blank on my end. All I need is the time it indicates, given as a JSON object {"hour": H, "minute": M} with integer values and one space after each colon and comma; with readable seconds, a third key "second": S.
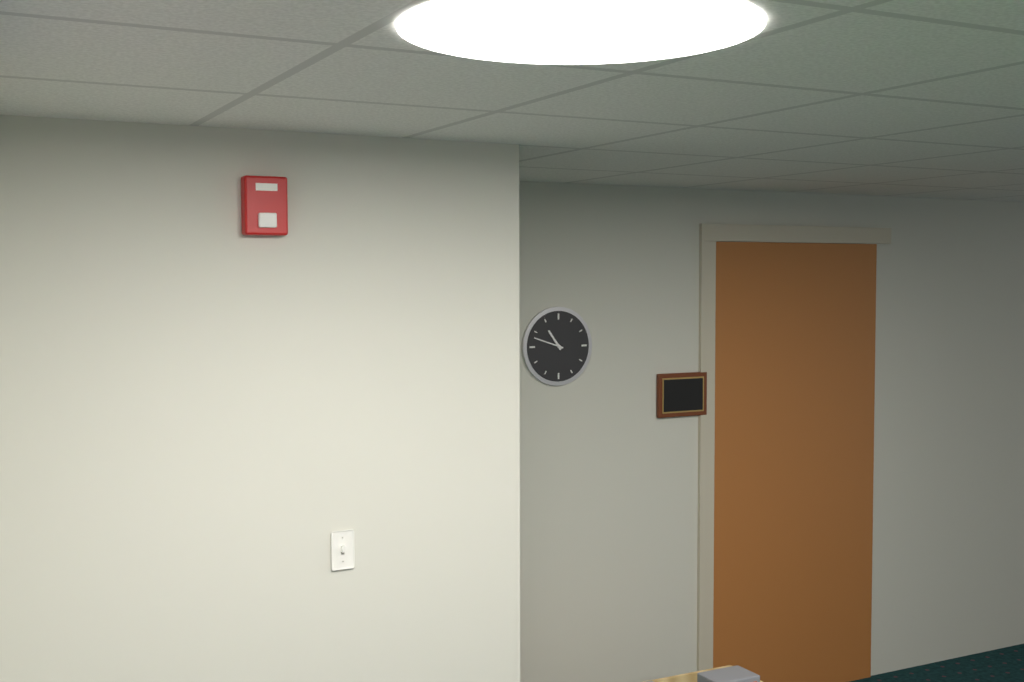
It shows {"hour": 10, "minute": 48}
